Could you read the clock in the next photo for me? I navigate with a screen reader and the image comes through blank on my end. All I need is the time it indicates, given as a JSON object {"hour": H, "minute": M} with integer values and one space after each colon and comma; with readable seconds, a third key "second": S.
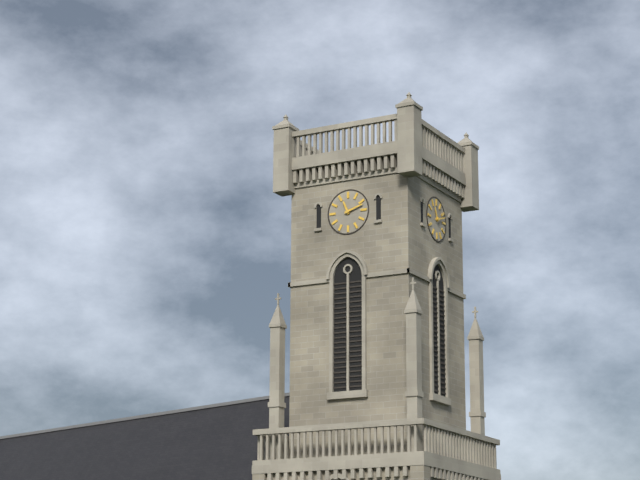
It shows {"hour": 11, "minute": 12}
